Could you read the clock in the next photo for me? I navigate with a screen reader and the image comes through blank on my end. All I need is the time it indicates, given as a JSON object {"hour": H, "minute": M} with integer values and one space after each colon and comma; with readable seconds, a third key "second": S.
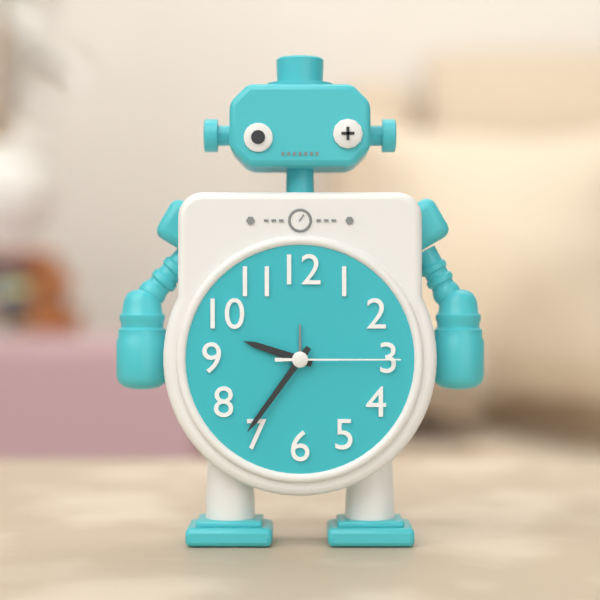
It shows {"hour": 9, "minute": 36, "second": 15}
